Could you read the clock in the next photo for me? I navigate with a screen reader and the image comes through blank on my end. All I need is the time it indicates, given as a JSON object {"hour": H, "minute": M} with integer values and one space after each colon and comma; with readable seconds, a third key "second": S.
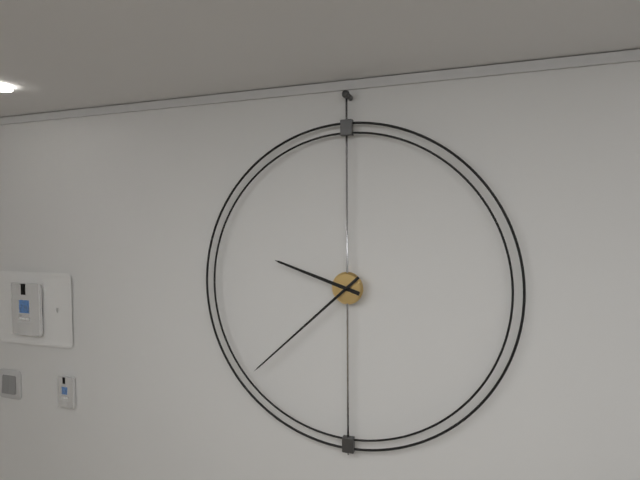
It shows {"hour": 9, "minute": 38}
